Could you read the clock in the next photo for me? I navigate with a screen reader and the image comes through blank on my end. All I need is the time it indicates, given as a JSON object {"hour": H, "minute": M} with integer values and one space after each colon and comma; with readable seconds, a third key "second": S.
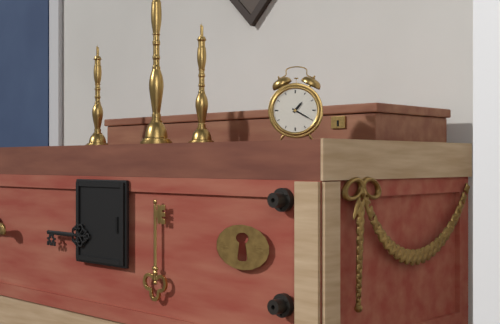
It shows {"hour": 1, "minute": 20}
